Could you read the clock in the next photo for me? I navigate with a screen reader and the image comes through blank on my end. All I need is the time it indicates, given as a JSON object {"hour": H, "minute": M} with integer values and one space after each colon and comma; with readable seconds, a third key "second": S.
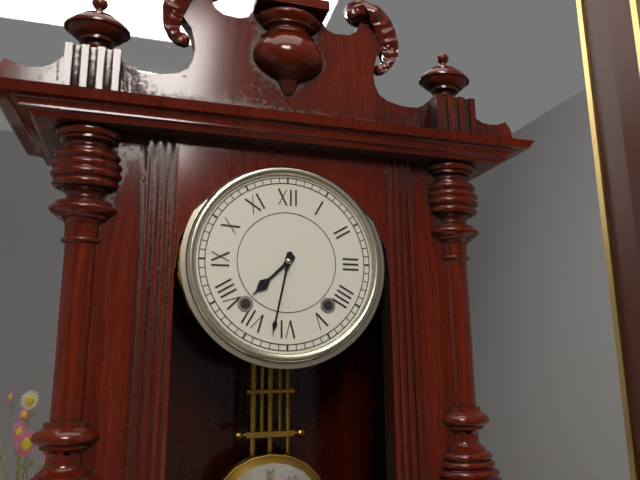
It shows {"hour": 7, "minute": 32}
